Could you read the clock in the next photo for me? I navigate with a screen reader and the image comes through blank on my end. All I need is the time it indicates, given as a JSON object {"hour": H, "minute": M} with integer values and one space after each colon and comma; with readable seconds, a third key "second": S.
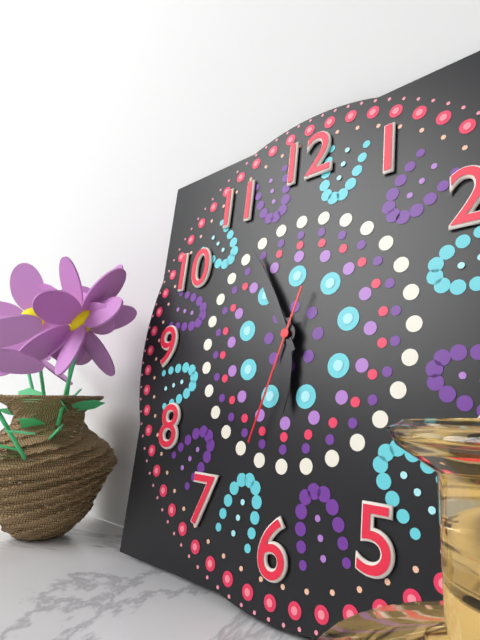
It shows {"hour": 5, "minute": 55, "second": 33}
